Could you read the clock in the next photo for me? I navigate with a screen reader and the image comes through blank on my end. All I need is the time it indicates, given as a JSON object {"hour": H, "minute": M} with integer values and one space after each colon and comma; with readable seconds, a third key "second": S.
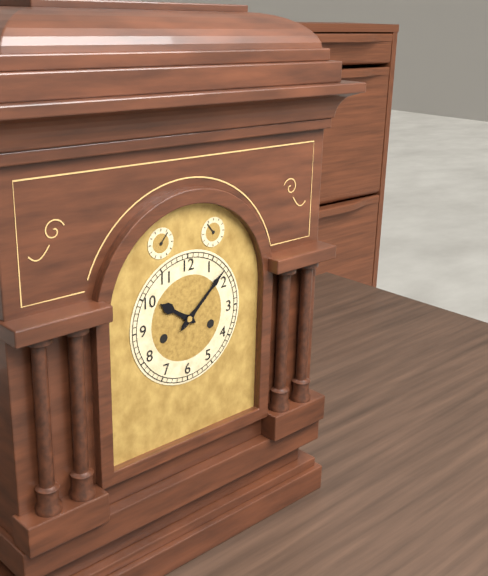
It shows {"hour": 10, "minute": 8}
